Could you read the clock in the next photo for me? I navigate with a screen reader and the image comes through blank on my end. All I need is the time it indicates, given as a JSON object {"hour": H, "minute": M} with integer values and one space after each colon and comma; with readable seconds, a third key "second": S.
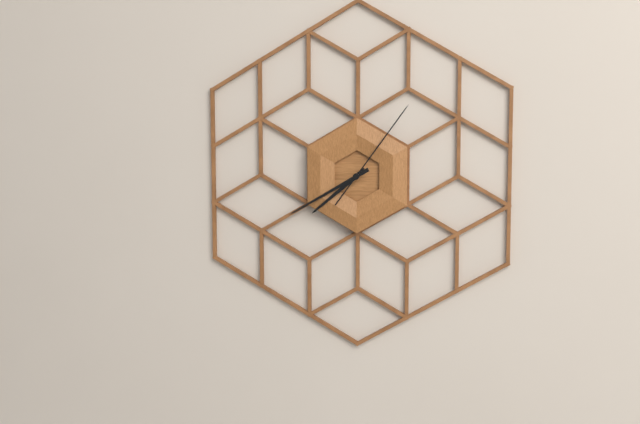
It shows {"hour": 7, "minute": 40, "second": 6}
